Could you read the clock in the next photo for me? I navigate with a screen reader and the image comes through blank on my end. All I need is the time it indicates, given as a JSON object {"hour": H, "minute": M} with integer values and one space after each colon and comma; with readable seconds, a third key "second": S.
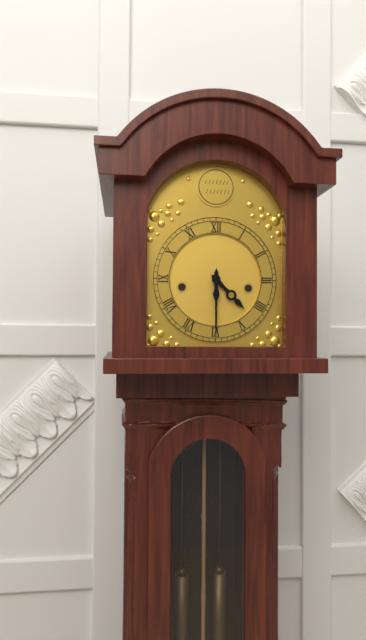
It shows {"hour": 4, "minute": 30}
